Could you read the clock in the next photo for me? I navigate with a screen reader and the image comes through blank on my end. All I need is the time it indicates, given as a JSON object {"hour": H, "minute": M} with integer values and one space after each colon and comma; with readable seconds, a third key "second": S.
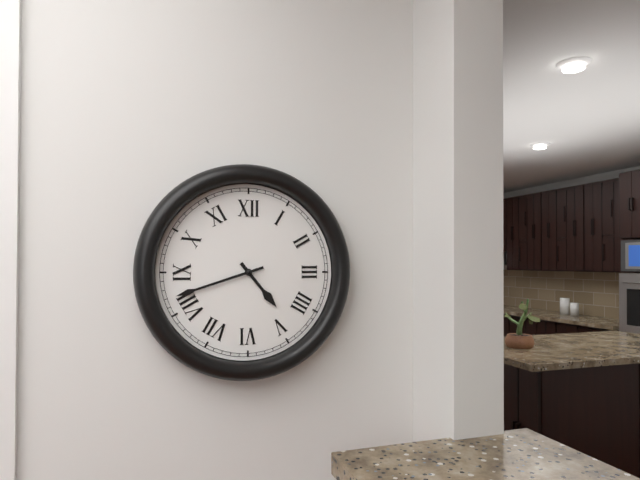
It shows {"hour": 4, "minute": 42}
